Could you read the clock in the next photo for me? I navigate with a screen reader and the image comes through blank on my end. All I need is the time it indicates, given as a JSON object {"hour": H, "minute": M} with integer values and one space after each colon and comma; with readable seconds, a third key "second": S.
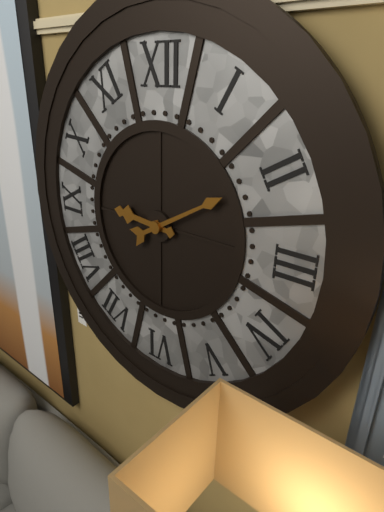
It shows {"hour": 9, "minute": 10}
